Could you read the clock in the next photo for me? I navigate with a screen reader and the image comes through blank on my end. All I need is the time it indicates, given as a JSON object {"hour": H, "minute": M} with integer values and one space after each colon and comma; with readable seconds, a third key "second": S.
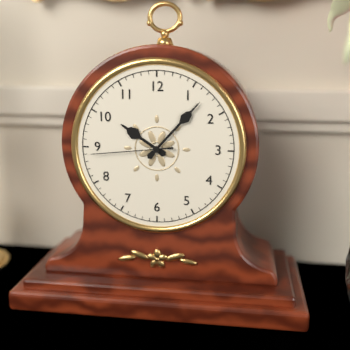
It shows {"hour": 10, "minute": 7, "second": 44}
